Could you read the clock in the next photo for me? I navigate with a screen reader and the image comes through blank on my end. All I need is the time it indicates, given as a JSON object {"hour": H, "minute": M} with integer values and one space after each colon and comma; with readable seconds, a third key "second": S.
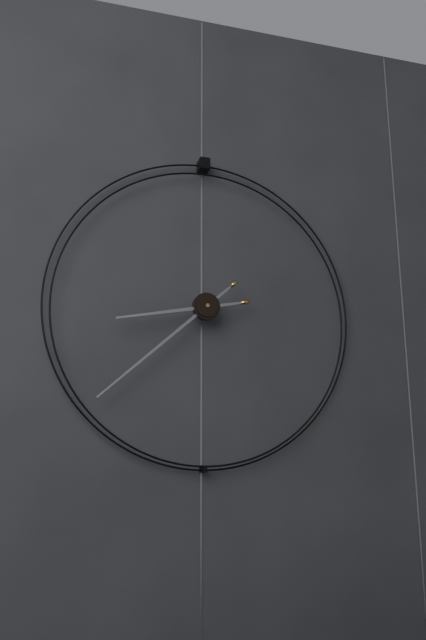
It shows {"hour": 8, "minute": 38}
